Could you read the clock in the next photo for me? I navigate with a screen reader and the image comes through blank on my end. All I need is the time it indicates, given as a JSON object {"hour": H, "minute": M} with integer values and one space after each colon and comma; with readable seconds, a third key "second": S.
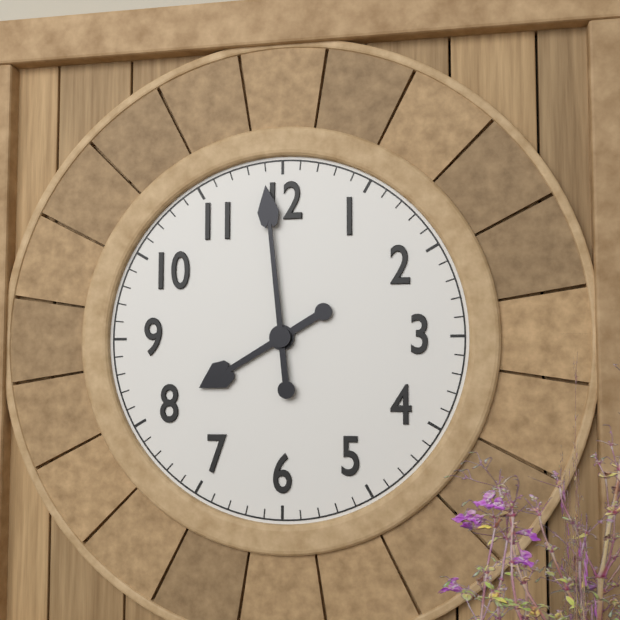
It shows {"hour": 7, "minute": 59}
